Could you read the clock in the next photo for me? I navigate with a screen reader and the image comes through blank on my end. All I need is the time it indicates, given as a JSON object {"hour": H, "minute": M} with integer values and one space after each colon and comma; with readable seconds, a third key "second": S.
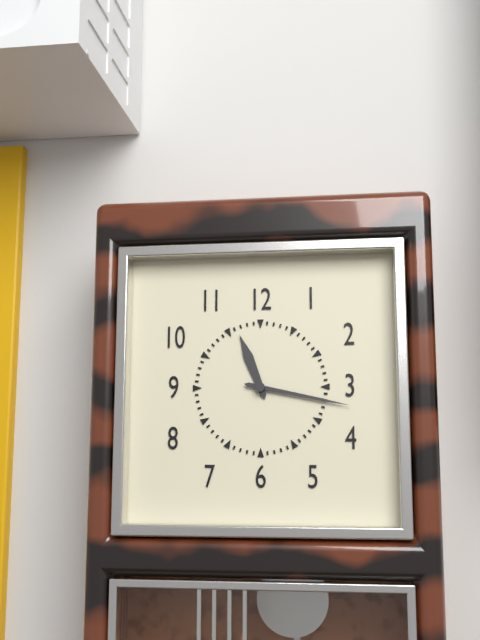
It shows {"hour": 11, "minute": 17}
